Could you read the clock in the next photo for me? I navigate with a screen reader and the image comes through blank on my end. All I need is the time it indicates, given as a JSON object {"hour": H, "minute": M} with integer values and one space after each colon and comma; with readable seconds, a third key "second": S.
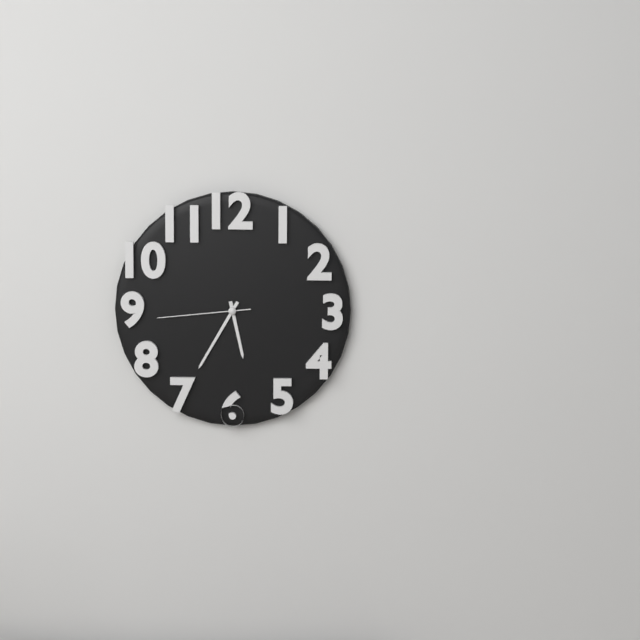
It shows {"hour": 5, "minute": 35, "second": 44}
